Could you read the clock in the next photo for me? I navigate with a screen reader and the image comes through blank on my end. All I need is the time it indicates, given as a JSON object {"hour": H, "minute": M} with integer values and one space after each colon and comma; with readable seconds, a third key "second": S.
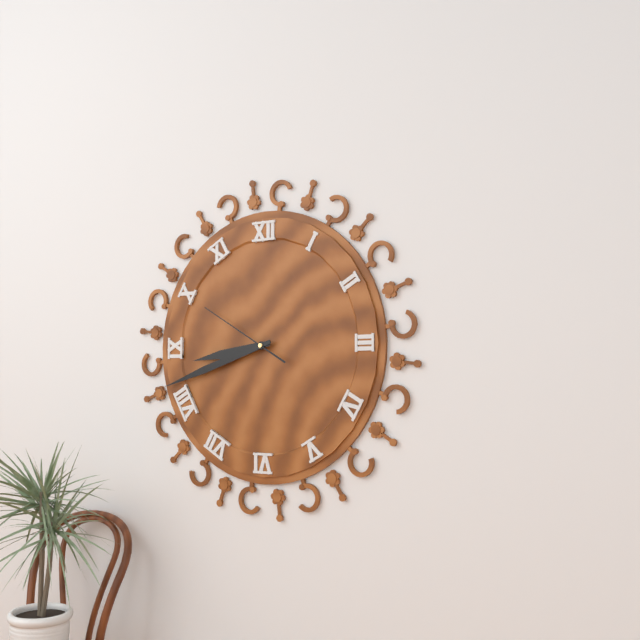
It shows {"hour": 8, "minute": 42, "second": 50}
